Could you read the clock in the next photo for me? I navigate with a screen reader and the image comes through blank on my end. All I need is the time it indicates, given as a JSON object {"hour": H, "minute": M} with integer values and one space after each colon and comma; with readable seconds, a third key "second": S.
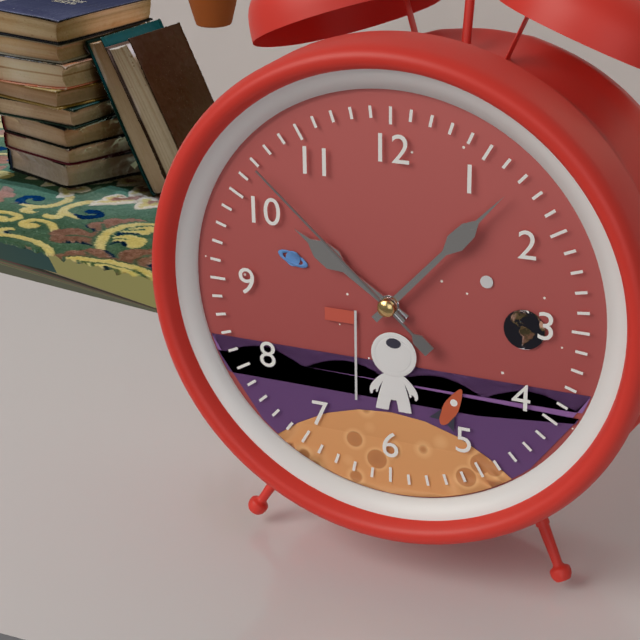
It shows {"hour": 10, "minute": 7, "second": 52}
